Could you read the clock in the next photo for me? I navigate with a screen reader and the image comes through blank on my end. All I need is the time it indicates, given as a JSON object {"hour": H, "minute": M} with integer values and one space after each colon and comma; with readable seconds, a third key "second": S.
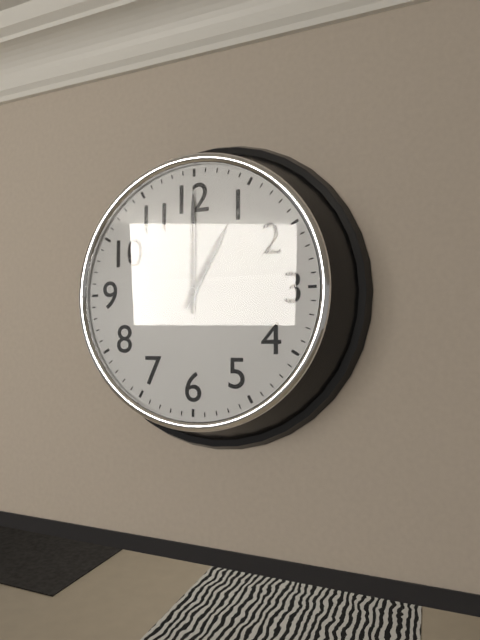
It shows {"hour": 1, "minute": 0}
